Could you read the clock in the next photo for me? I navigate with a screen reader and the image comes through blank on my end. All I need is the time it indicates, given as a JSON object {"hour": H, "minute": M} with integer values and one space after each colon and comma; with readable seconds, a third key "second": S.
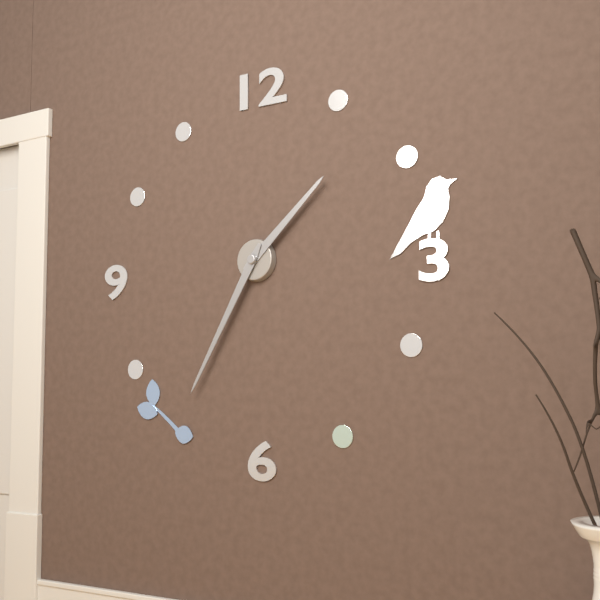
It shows {"hour": 1, "minute": 35}
